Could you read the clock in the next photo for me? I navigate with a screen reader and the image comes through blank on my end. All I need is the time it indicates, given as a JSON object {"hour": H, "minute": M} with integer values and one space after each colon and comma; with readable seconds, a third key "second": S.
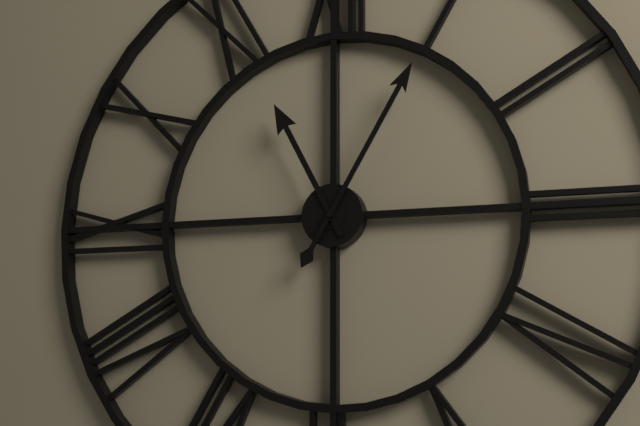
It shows {"hour": 11, "minute": 5}
